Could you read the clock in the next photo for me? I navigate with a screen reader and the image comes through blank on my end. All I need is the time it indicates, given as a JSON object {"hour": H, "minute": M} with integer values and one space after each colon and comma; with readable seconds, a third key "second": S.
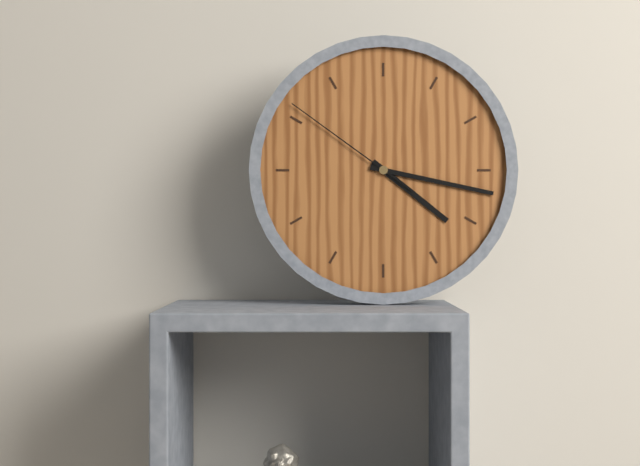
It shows {"hour": 4, "minute": 17, "second": 51}
